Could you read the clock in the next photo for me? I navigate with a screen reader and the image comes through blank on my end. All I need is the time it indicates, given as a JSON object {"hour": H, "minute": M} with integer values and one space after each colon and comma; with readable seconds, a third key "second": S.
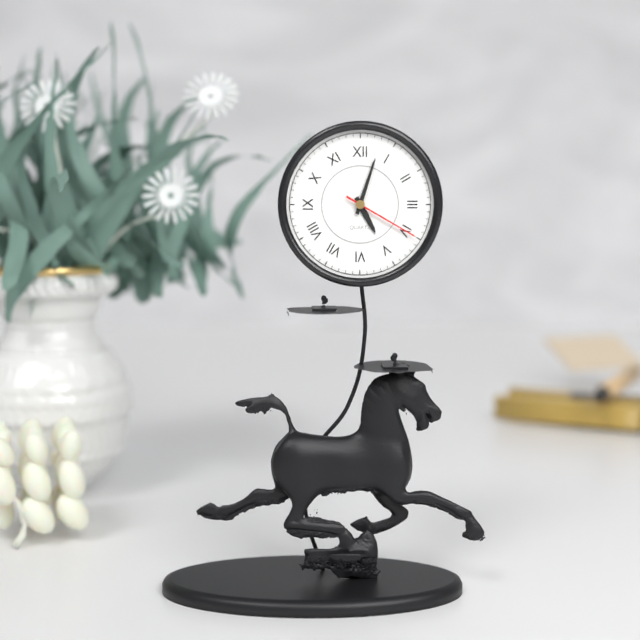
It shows {"hour": 5, "minute": 3, "second": 20}
